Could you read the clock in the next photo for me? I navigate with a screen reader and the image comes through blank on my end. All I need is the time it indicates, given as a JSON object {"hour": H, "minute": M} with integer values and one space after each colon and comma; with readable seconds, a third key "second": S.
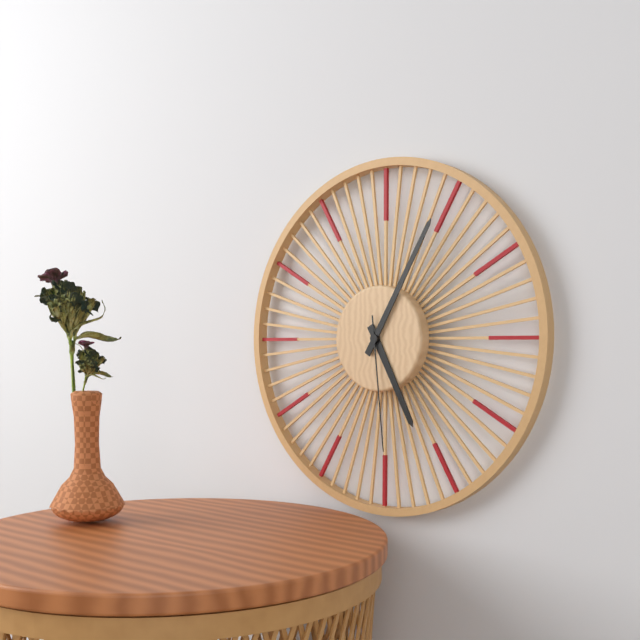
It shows {"hour": 5, "minute": 5, "second": 29}
